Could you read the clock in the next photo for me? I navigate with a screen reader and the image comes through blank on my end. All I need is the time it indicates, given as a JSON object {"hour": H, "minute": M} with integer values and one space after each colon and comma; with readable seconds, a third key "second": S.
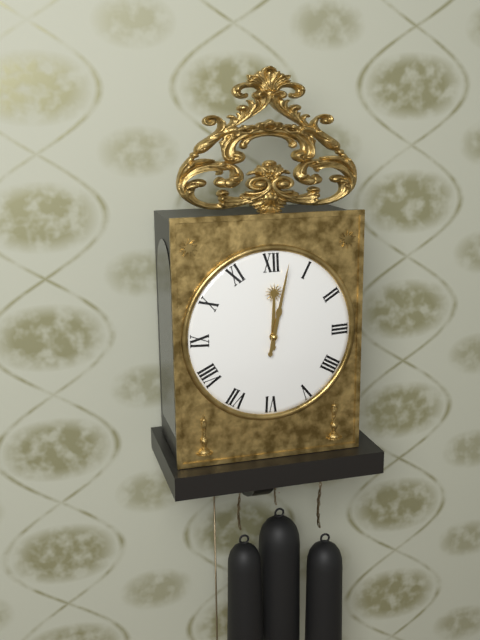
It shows {"hour": 12, "minute": 2}
